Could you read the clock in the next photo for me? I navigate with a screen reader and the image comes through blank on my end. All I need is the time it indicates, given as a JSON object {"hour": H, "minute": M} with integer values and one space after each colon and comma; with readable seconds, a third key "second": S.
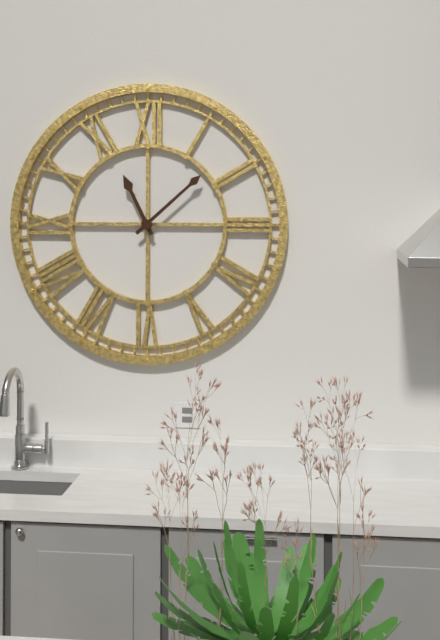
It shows {"hour": 11, "minute": 8}
